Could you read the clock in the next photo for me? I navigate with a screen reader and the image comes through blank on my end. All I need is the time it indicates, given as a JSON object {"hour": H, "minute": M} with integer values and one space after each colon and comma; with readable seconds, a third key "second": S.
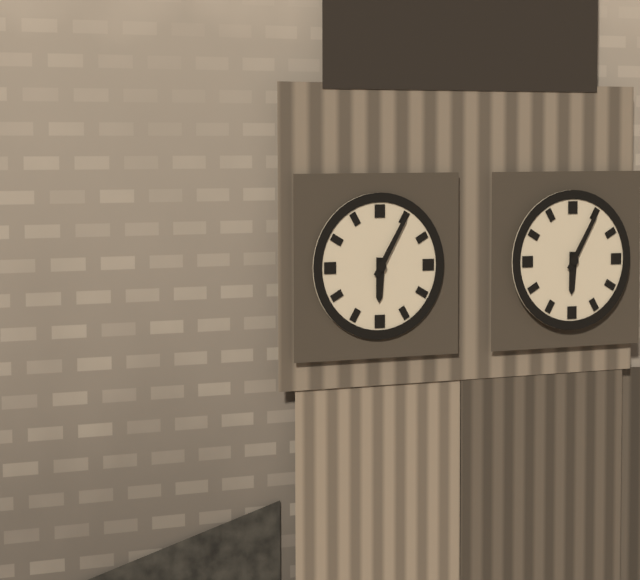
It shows {"hour": 6, "minute": 5}
